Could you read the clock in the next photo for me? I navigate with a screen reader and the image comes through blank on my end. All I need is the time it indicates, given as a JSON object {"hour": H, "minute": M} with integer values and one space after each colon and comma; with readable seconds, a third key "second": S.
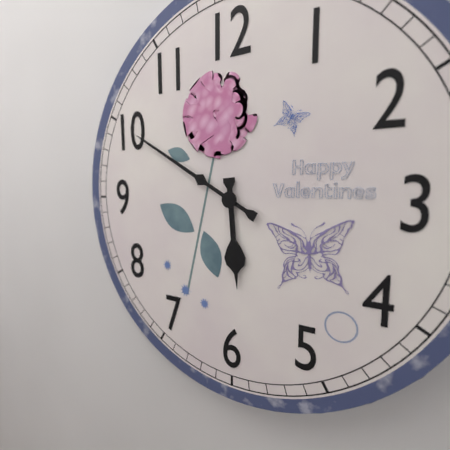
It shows {"hour": 5, "minute": 50}
